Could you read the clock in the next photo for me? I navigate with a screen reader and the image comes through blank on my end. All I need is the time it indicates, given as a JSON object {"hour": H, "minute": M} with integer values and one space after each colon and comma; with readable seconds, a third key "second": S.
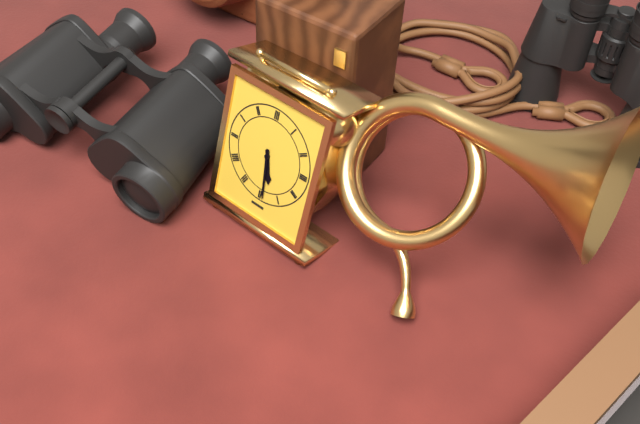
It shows {"hour": 5, "minute": 29}
